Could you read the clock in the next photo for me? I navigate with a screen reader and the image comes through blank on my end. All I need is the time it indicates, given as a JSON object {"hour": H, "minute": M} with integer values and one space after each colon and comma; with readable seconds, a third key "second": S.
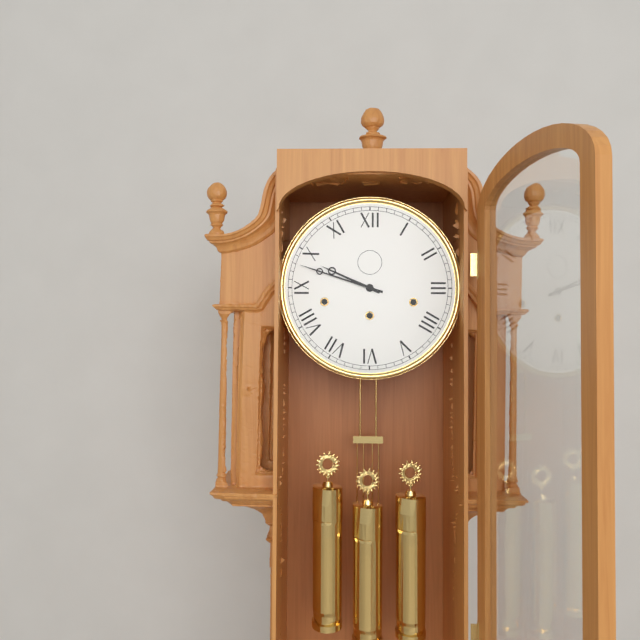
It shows {"hour": 9, "minute": 48}
